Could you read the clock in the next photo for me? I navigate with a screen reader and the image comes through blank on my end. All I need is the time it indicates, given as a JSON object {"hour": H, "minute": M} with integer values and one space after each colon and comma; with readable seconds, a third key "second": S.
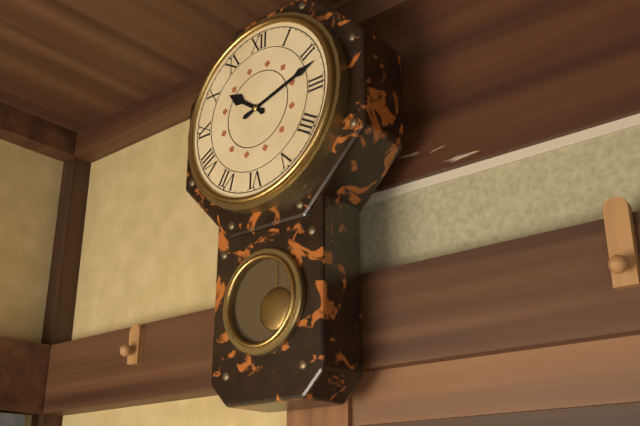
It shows {"hour": 10, "minute": 12}
